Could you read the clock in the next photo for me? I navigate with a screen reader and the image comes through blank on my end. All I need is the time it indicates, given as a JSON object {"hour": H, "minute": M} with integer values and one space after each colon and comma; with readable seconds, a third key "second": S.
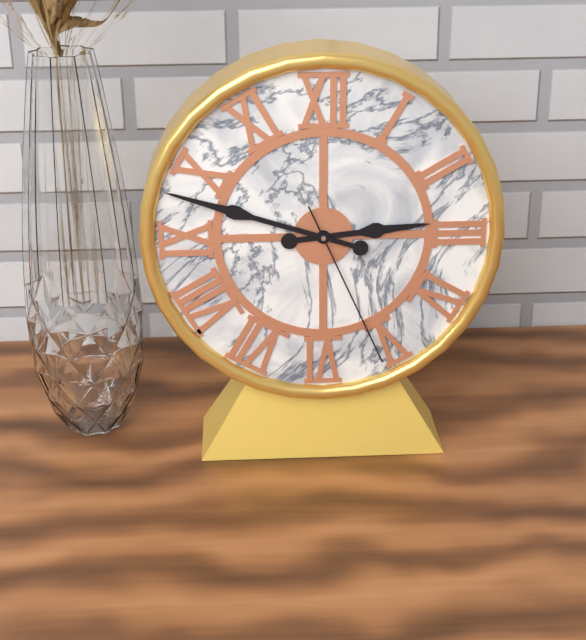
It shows {"hour": 2, "minute": 48, "second": 26}
